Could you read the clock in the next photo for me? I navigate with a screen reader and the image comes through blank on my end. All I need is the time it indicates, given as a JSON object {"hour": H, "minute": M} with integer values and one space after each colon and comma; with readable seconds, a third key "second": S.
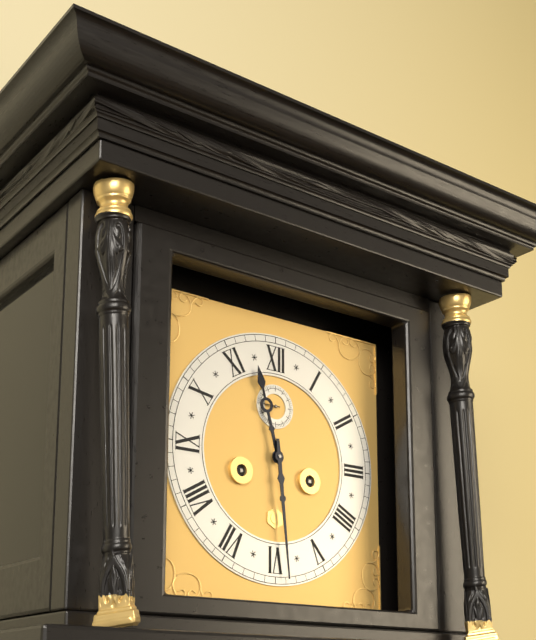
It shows {"hour": 11, "minute": 29}
